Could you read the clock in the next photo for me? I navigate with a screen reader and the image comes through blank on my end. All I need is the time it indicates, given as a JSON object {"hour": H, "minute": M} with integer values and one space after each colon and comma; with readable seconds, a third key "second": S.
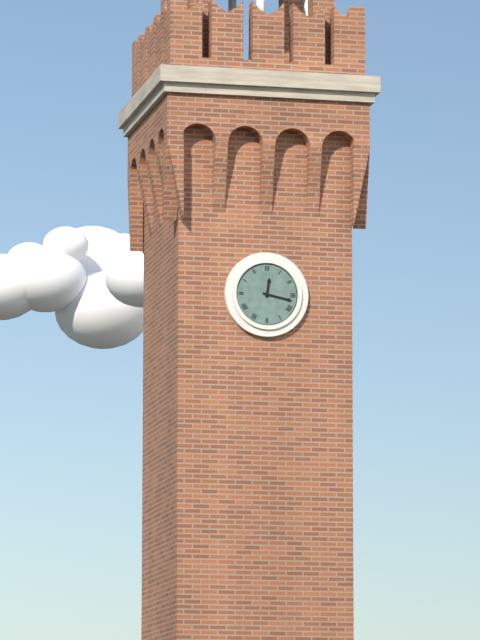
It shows {"hour": 12, "minute": 17}
